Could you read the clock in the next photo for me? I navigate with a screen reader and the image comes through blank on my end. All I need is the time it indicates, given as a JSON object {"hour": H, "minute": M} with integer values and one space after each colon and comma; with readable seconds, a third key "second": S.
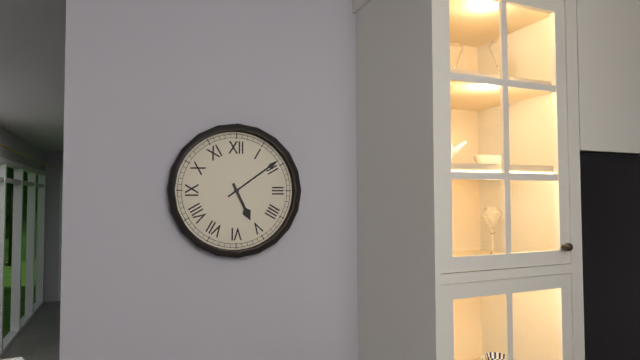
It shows {"hour": 5, "minute": 9}
